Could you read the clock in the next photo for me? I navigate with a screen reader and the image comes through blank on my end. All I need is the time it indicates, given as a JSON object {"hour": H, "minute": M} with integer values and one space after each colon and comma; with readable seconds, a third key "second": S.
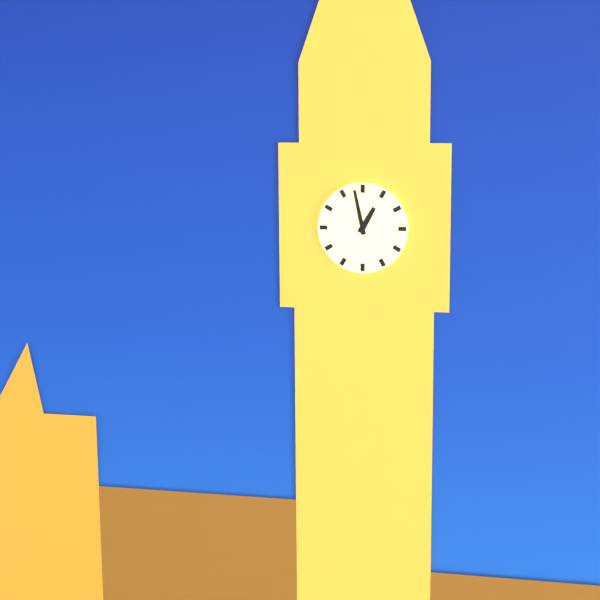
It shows {"hour": 12, "minute": 58}
